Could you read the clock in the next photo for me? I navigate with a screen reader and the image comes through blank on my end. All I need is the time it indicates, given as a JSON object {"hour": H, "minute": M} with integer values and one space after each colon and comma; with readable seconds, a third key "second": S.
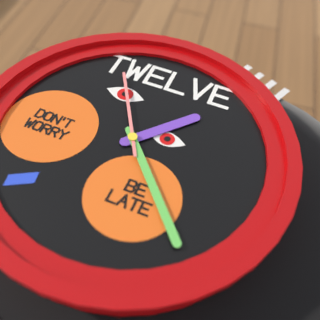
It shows {"hour": 1, "minute": 23, "second": 55}
